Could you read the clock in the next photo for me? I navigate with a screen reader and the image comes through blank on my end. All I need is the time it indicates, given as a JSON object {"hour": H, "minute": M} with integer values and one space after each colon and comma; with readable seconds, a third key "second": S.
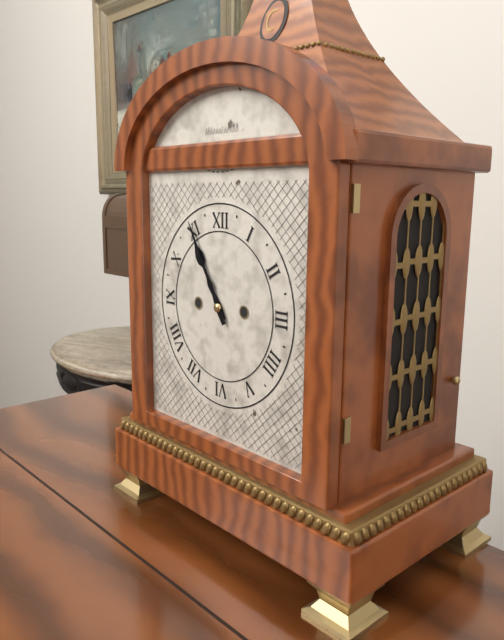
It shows {"hour": 10, "minute": 55}
